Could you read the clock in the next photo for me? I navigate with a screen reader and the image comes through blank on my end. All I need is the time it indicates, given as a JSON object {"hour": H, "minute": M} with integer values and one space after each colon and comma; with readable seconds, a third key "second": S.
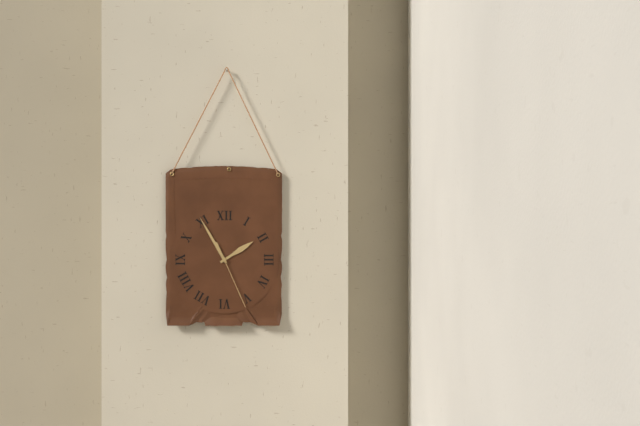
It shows {"hour": 1, "minute": 55, "second": 26}
